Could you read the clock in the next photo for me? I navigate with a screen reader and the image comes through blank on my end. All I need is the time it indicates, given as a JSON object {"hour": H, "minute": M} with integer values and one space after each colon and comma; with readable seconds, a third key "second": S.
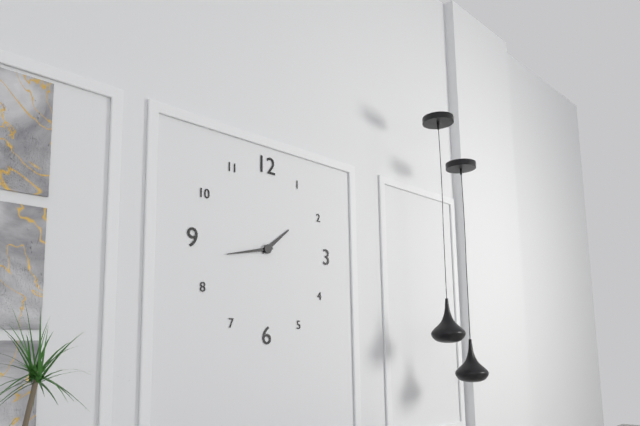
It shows {"hour": 1, "minute": 43}
